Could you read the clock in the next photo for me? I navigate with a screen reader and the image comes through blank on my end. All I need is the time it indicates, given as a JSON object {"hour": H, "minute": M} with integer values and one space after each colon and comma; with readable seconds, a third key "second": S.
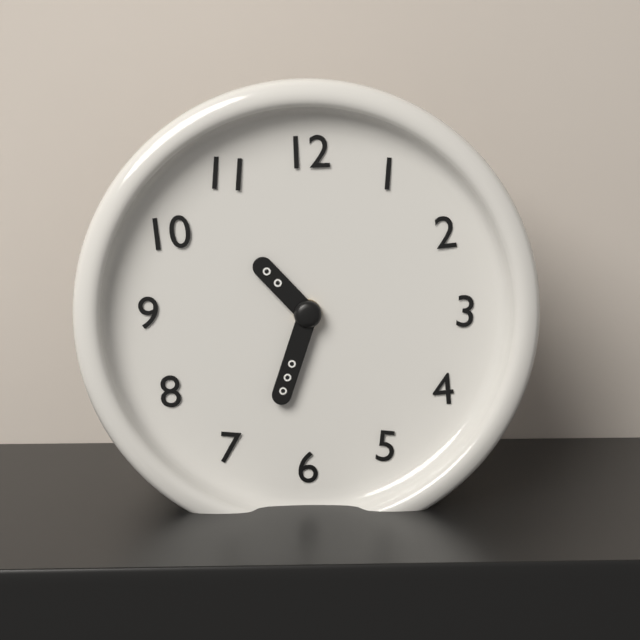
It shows {"hour": 10, "minute": 33}
